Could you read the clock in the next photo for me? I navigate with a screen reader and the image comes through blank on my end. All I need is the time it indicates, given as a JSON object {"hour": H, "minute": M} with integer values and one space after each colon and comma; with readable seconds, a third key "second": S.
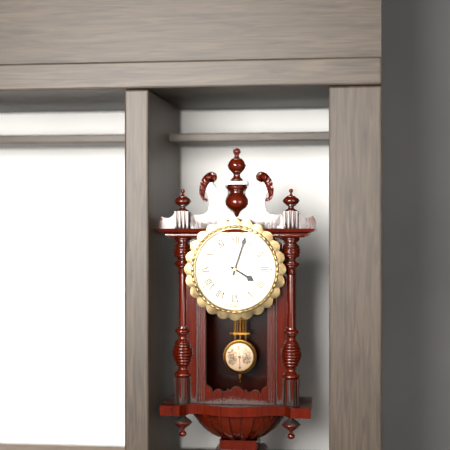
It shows {"hour": 4, "minute": 3}
